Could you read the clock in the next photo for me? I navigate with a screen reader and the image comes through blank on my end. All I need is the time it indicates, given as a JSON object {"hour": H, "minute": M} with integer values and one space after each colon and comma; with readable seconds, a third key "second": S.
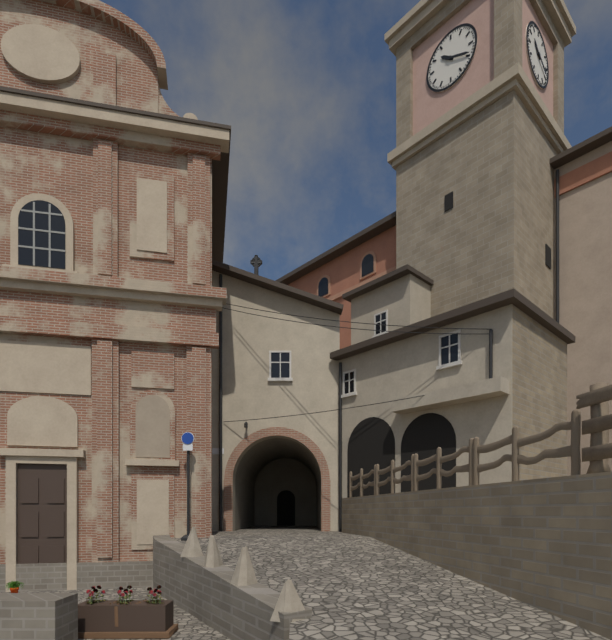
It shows {"hour": 10, "minute": 19}
